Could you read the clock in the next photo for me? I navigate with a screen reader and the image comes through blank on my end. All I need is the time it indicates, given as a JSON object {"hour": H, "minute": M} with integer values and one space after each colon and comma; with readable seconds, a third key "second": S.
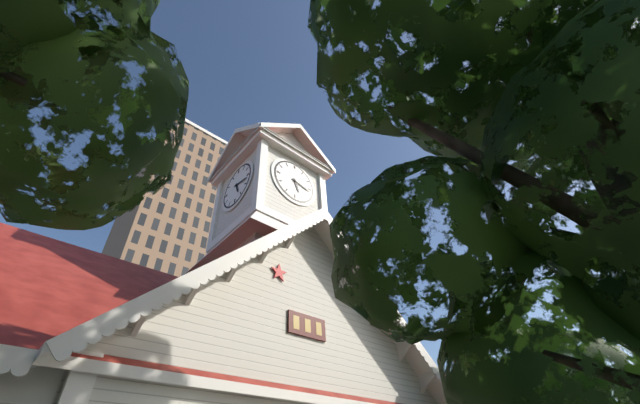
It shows {"hour": 5, "minute": 17}
